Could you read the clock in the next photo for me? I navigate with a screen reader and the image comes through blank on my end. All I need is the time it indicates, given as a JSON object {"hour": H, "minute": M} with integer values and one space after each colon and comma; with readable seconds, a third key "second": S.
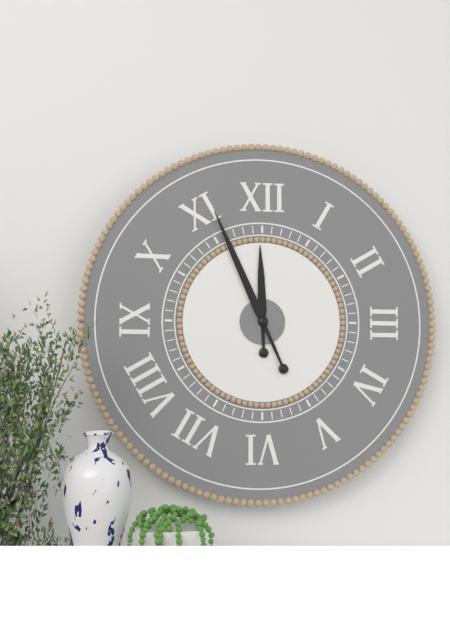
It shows {"hour": 11, "minute": 56}
